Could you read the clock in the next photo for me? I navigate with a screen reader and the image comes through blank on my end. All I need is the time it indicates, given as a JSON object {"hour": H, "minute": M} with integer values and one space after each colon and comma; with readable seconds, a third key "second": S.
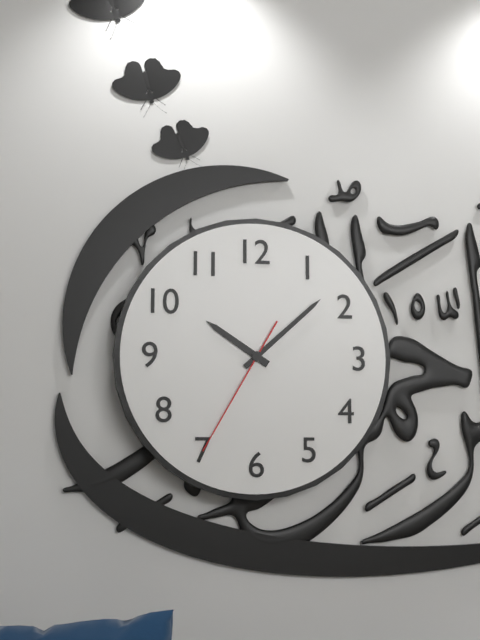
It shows {"hour": 10, "minute": 8, "second": 35}
